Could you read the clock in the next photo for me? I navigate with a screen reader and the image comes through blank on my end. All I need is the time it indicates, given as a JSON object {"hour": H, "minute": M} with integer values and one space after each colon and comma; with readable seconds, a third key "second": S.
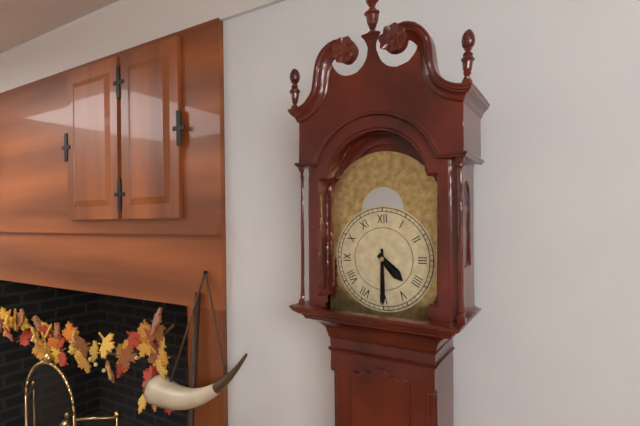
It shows {"hour": 4, "minute": 30}
